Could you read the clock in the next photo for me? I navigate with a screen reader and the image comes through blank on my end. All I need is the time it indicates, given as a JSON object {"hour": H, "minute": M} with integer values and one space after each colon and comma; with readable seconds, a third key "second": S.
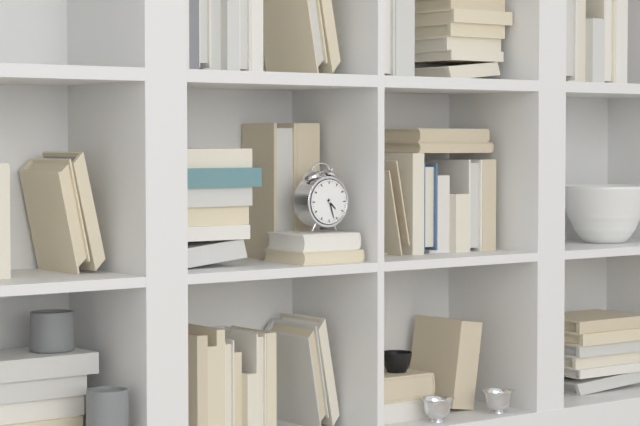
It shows {"hour": 4, "minute": 27}
